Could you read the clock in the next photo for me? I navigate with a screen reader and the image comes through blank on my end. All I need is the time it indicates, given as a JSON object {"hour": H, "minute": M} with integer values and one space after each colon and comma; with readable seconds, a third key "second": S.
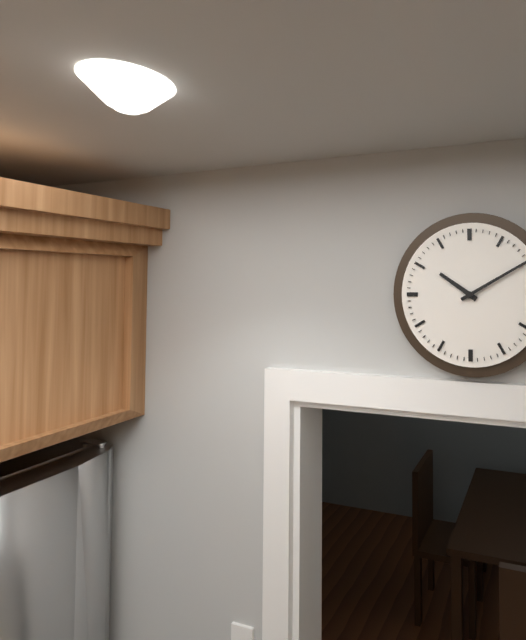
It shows {"hour": 10, "minute": 10}
